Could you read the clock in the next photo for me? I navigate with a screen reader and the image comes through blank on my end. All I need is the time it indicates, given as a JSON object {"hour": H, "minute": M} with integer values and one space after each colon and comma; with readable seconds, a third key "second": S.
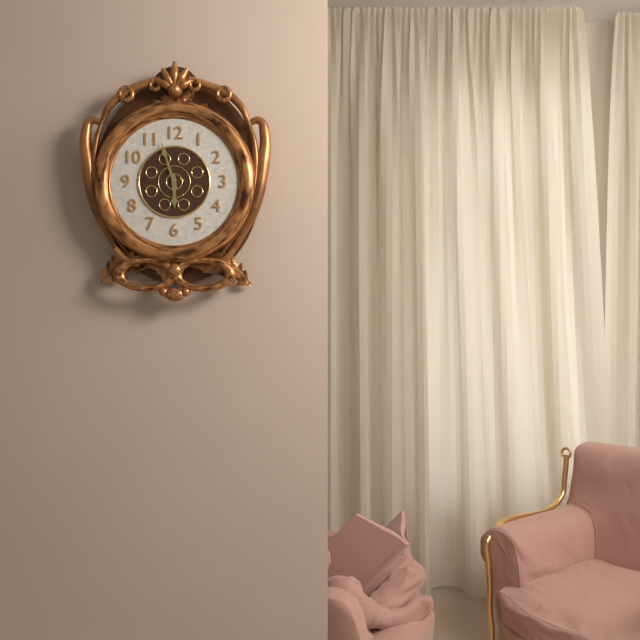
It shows {"hour": 5, "minute": 57}
